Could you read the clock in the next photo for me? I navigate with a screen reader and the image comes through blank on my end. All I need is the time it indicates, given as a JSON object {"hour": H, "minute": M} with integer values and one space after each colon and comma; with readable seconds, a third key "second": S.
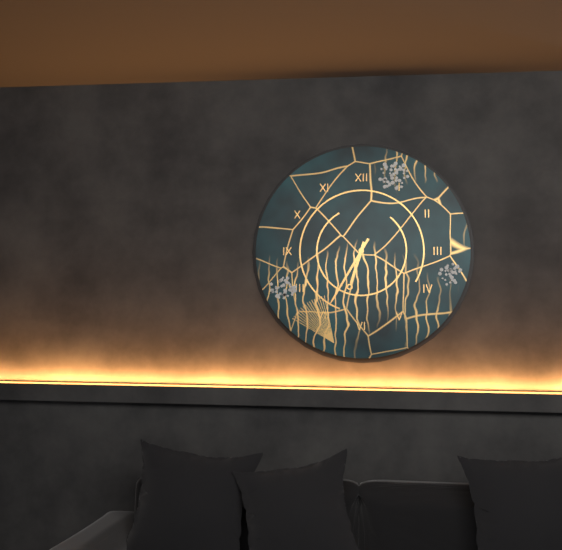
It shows {"hour": 6, "minute": 35}
